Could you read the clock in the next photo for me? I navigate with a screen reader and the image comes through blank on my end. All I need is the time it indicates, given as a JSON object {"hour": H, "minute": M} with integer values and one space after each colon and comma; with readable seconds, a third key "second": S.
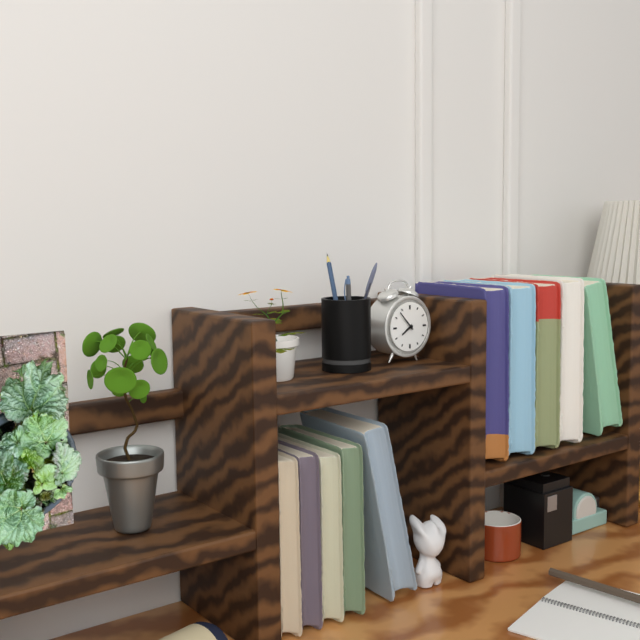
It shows {"hour": 7, "minute": 53}
